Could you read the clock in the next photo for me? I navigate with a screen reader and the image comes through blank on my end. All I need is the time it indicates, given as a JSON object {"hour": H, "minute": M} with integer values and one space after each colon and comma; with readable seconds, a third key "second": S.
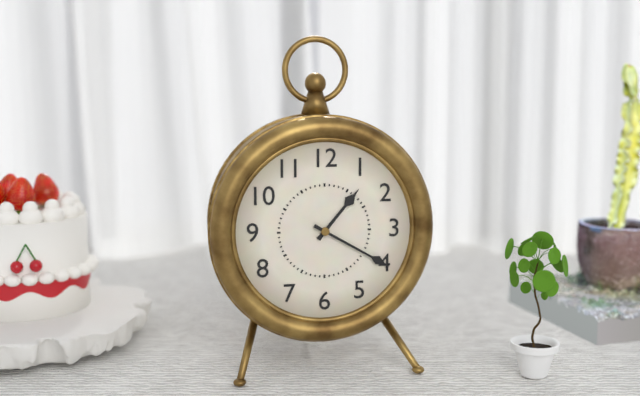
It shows {"hour": 1, "minute": 20}
